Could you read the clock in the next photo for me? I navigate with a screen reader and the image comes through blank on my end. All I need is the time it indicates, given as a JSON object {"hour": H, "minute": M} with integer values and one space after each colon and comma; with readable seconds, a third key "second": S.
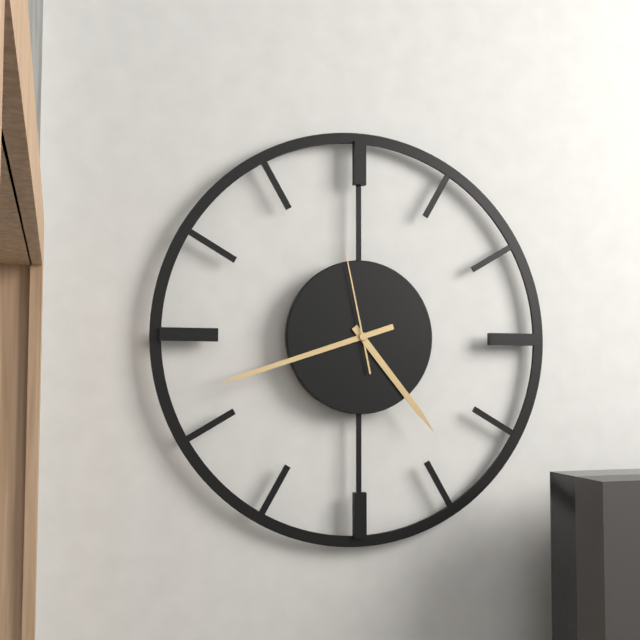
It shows {"hour": 4, "minute": 42, "second": 58}
